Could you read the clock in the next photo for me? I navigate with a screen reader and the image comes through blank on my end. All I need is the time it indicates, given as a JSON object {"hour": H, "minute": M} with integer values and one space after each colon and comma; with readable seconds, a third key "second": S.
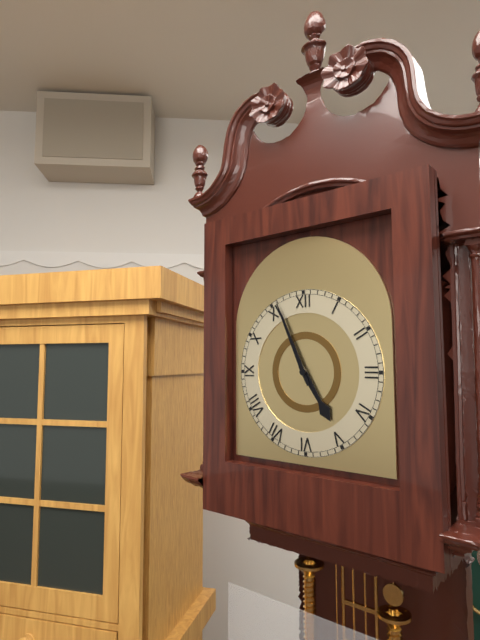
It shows {"hour": 4, "minute": 56}
